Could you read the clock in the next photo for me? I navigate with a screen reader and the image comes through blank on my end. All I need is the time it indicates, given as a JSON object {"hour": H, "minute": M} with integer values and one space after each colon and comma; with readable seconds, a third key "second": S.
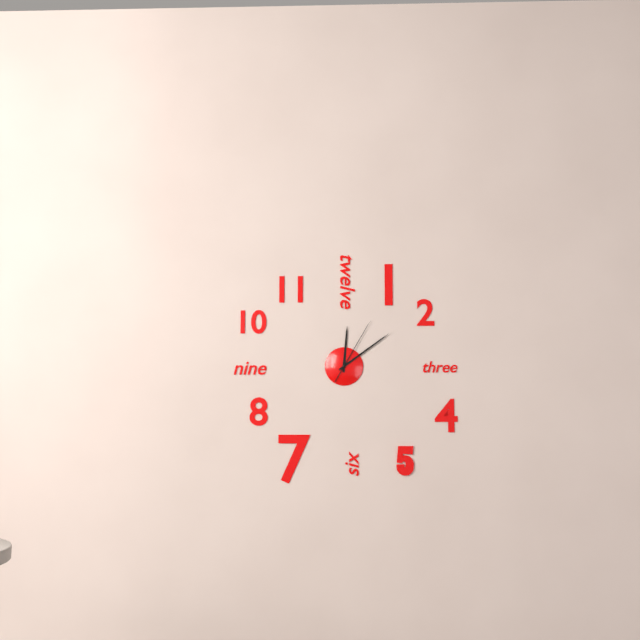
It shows {"hour": 12, "minute": 9, "second": 5}
